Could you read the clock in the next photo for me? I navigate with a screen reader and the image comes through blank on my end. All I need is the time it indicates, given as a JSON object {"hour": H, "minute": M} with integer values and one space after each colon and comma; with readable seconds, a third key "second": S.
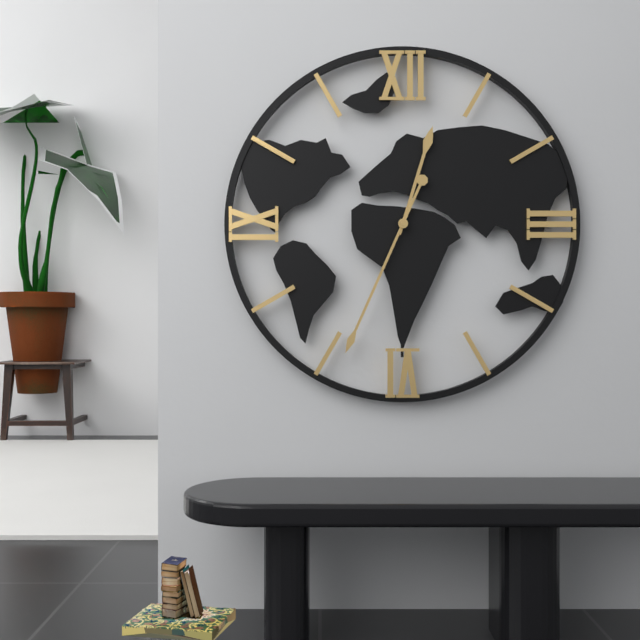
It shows {"hour": 12, "minute": 34}
